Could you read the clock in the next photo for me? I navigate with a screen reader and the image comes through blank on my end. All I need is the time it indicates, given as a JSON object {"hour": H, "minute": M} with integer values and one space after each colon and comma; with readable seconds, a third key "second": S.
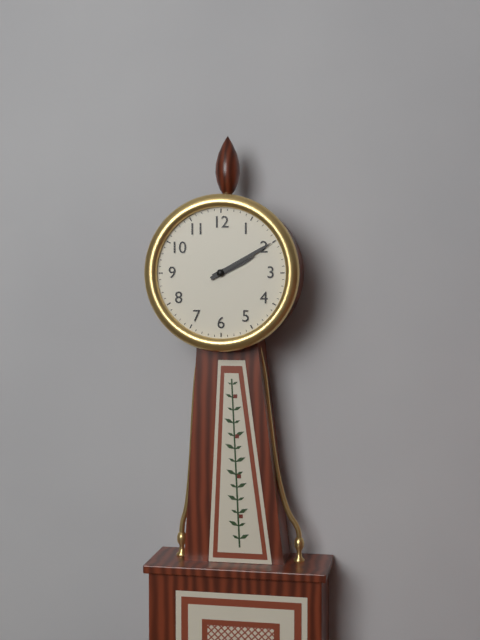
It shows {"hour": 2, "minute": 10}
